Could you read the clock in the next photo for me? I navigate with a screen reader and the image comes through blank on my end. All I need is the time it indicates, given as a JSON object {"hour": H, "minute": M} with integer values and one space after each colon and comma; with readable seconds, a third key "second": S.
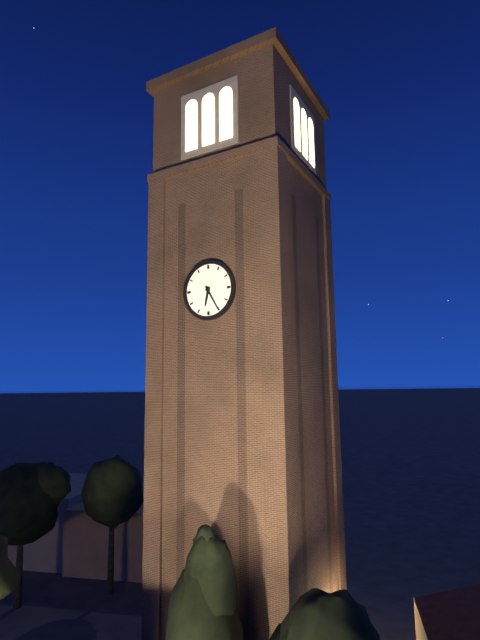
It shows {"hour": 6, "minute": 25}
